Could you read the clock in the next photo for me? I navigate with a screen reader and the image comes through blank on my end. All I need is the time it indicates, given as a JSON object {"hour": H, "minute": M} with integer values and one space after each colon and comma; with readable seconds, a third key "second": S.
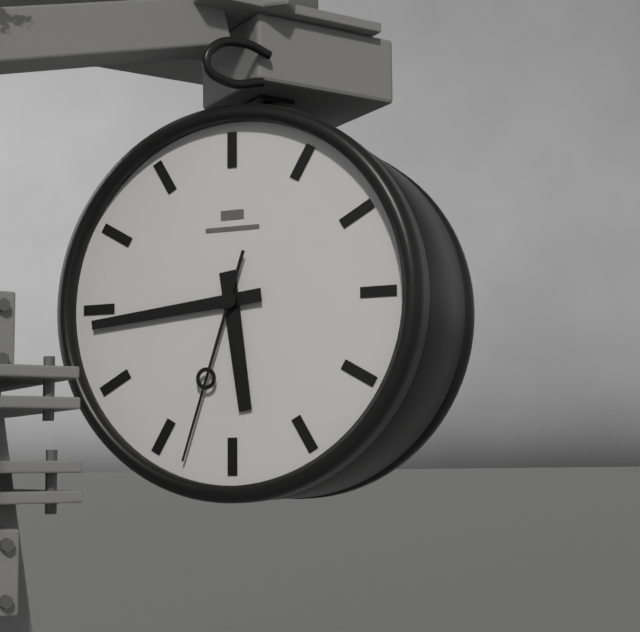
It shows {"hour": 5, "minute": 44, "second": 33}
